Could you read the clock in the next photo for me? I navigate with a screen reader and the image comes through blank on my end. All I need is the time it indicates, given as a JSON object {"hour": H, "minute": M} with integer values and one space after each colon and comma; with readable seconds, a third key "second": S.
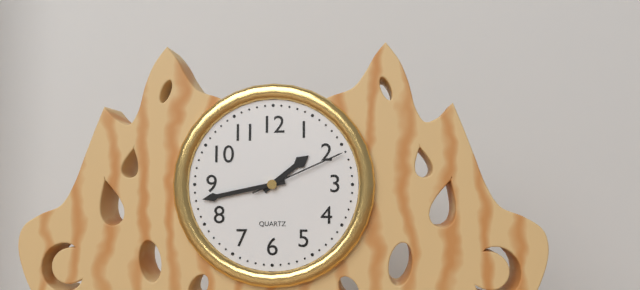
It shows {"hour": 1, "minute": 43, "second": 11}
